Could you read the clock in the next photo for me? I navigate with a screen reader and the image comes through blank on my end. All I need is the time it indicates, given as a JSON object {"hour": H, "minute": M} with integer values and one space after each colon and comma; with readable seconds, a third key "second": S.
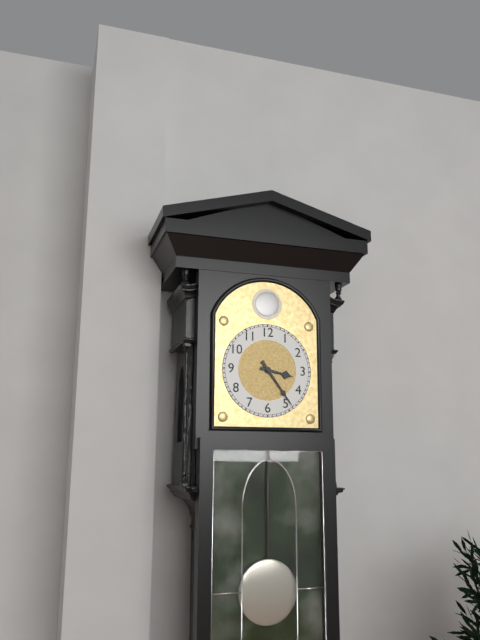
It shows {"hour": 3, "minute": 24}
